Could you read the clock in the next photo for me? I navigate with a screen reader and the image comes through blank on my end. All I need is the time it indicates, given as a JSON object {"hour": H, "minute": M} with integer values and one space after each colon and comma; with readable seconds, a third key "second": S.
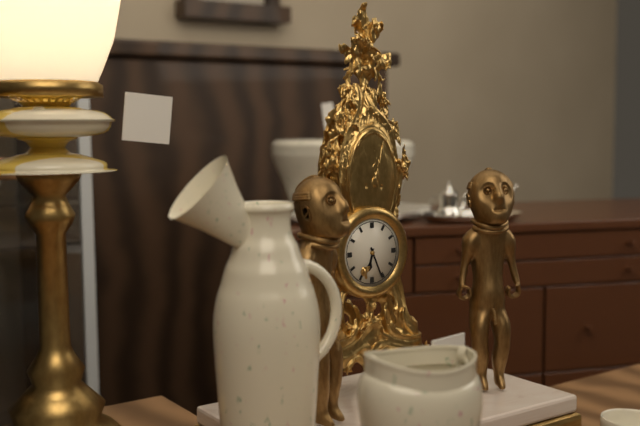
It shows {"hour": 6, "minute": 26}
